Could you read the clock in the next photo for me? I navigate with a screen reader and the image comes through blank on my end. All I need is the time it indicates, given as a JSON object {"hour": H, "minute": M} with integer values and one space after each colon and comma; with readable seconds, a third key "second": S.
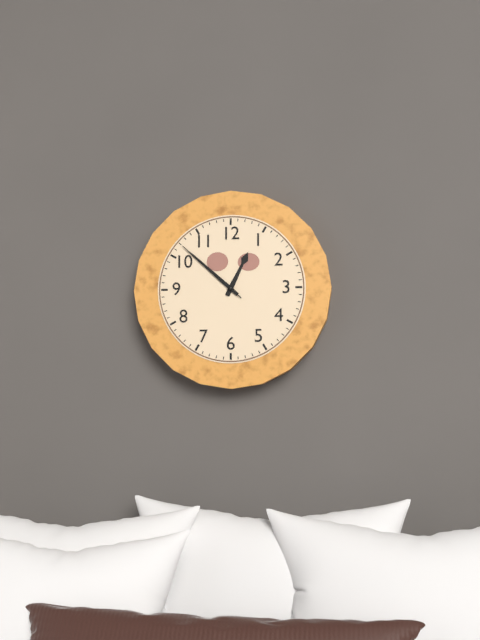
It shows {"hour": 12, "minute": 52, "second": 52}
